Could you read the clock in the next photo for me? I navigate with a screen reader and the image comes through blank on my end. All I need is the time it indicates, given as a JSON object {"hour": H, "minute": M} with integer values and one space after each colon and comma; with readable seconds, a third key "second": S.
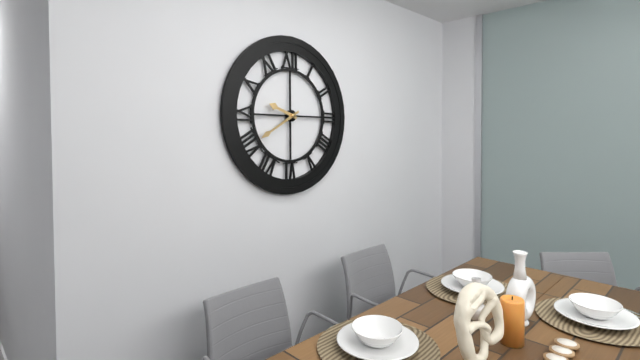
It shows {"hour": 9, "minute": 40}
